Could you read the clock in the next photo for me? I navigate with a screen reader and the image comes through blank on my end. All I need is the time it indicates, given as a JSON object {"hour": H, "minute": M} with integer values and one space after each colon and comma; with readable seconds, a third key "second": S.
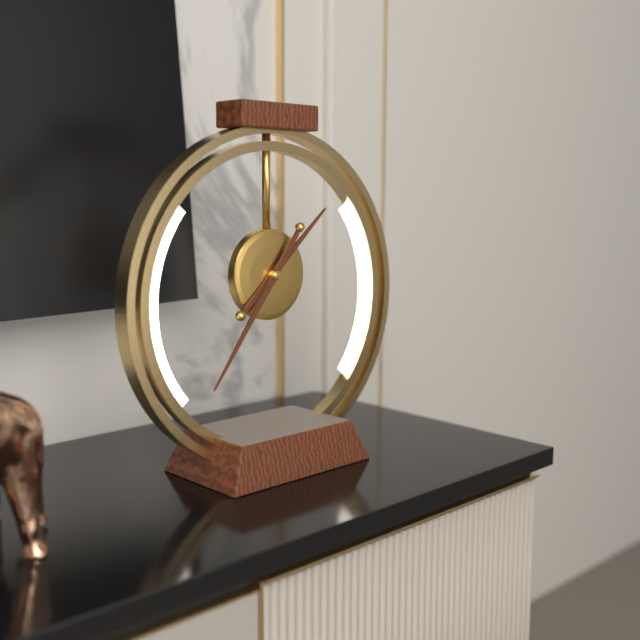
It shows {"hour": 1, "minute": 36}
